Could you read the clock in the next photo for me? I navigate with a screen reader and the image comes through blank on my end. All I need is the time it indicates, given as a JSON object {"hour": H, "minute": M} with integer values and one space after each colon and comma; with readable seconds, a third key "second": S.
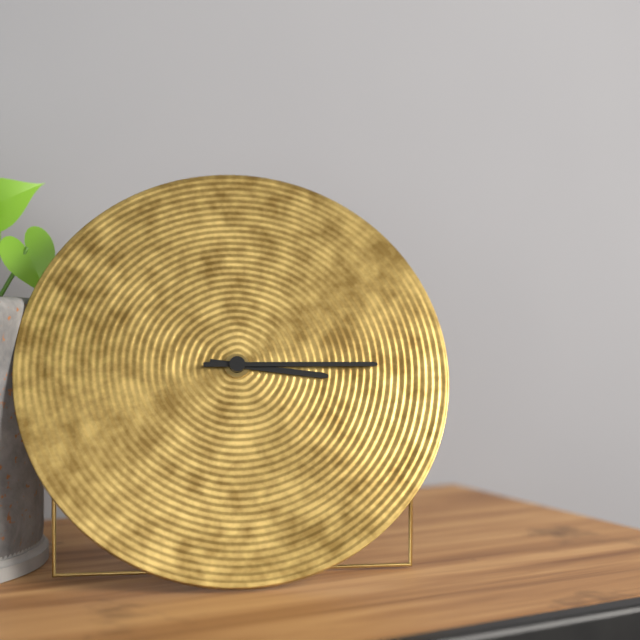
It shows {"hour": 3, "minute": 15}
